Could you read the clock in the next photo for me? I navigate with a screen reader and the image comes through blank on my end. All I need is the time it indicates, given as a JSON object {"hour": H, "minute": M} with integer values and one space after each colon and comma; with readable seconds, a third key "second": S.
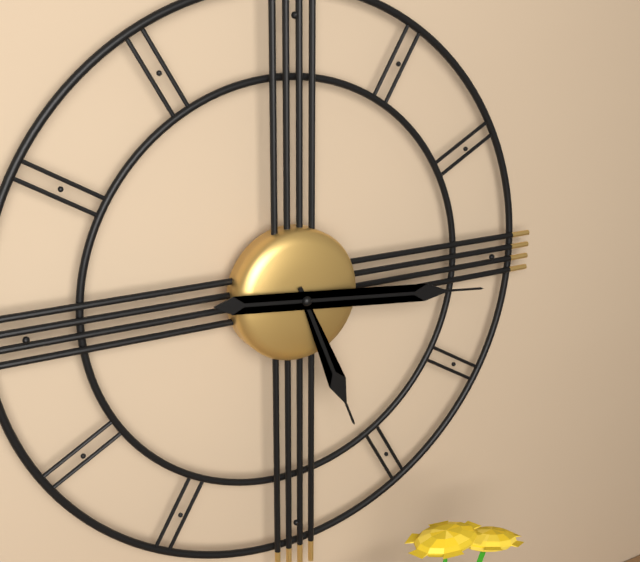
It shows {"hour": 5, "minute": 16}
